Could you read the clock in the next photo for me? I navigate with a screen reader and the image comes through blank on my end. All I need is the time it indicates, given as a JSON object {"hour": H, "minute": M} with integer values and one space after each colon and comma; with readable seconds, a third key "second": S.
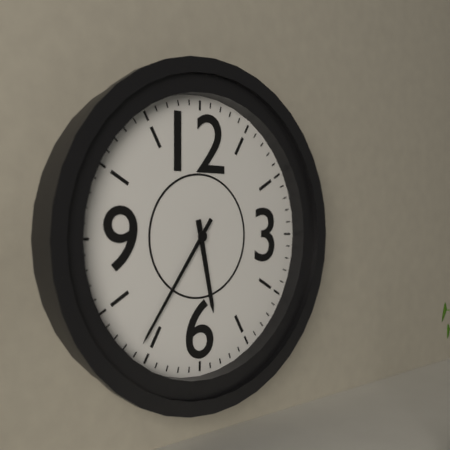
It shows {"hour": 5, "minute": 36}
